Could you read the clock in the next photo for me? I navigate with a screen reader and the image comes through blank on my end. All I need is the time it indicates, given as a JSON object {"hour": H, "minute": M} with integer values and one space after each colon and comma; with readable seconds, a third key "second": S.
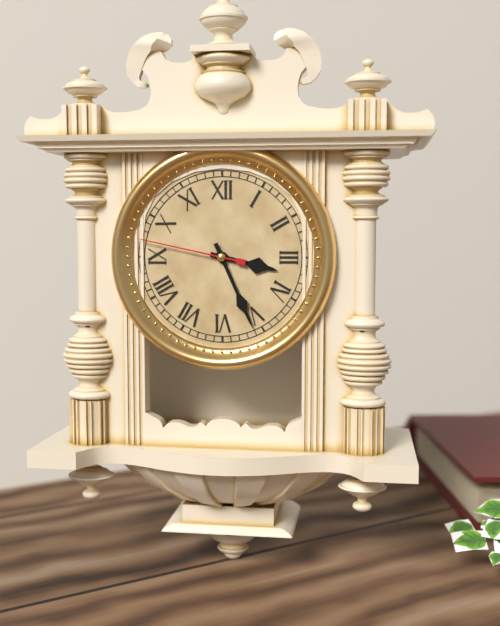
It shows {"hour": 3, "minute": 26, "second": 47}
